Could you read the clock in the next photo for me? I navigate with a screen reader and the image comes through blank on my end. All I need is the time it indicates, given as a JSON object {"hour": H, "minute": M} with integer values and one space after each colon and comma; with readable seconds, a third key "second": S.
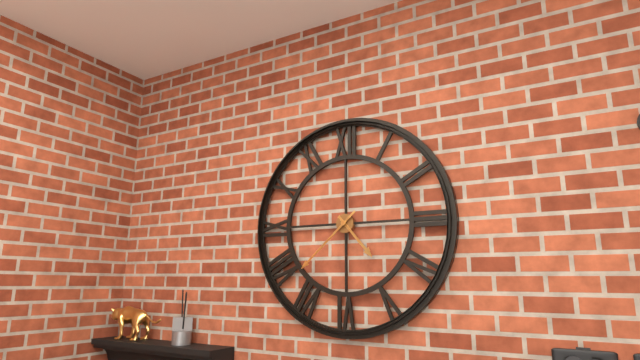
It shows {"hour": 4, "minute": 38}
